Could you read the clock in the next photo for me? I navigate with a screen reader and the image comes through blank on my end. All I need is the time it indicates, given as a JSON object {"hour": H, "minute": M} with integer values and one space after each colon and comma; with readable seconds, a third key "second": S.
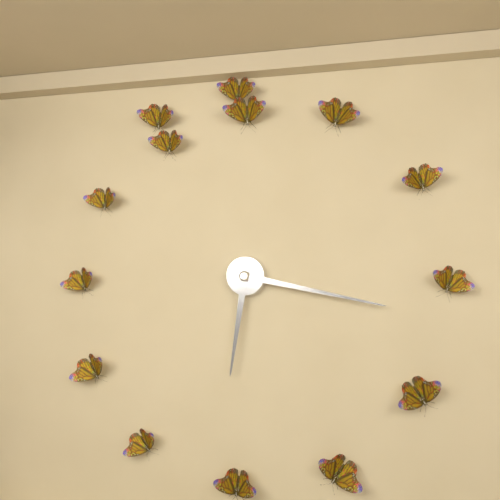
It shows {"hour": 6, "minute": 17}
